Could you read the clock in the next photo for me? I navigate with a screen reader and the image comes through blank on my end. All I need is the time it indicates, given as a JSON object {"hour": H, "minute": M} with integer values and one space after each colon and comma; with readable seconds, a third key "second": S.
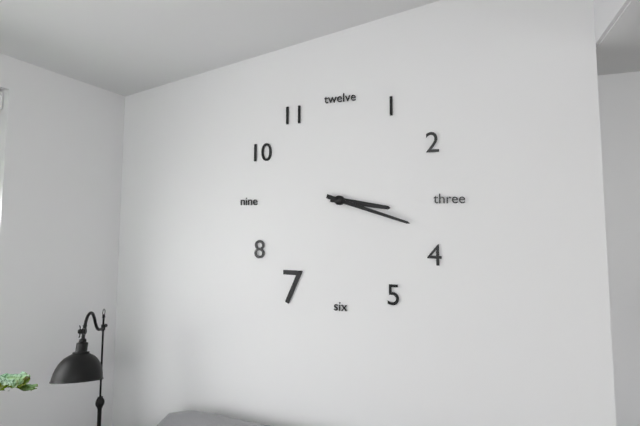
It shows {"hour": 3, "minute": 18}
